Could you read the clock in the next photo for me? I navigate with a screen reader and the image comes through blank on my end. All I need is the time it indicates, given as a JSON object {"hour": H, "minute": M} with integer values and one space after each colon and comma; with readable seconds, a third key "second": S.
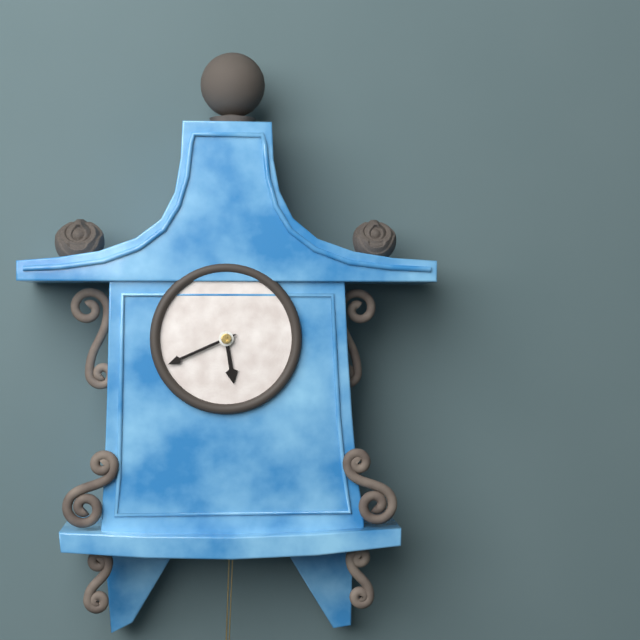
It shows {"hour": 5, "minute": 41}
